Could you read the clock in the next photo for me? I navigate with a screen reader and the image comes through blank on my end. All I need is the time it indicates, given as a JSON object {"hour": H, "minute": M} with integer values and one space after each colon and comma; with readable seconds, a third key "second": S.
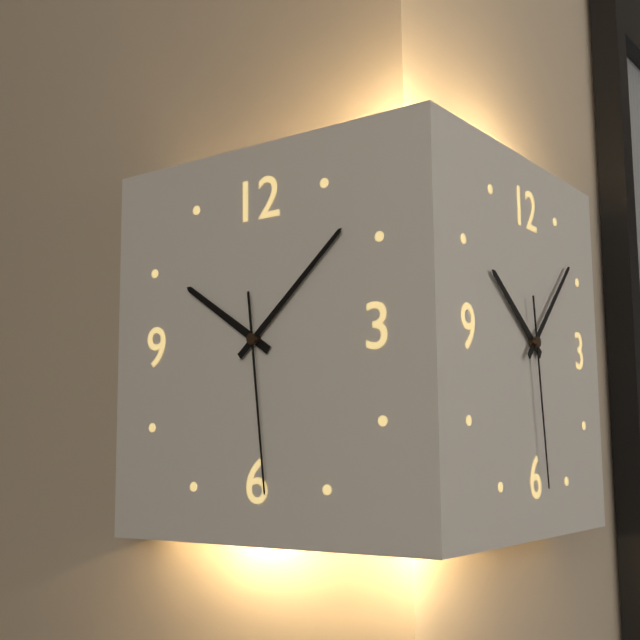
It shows {"hour": 10, "minute": 8, "second": 29}
